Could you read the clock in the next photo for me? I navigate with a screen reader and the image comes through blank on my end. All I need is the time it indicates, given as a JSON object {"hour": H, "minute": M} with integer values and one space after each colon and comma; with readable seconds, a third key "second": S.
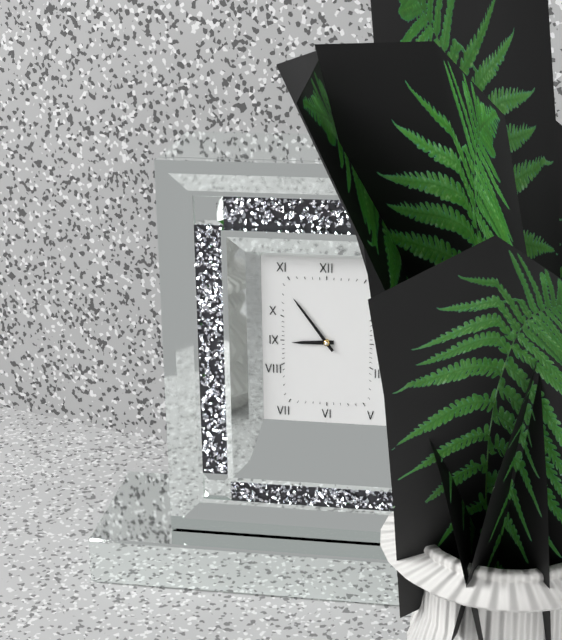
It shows {"hour": 8, "minute": 54}
